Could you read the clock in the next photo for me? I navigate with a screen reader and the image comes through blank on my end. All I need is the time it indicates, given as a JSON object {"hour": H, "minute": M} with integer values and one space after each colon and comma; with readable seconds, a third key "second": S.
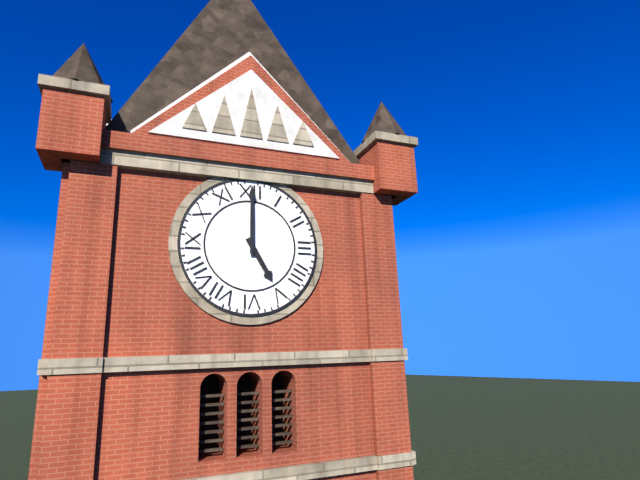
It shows {"hour": 5, "minute": 0}
